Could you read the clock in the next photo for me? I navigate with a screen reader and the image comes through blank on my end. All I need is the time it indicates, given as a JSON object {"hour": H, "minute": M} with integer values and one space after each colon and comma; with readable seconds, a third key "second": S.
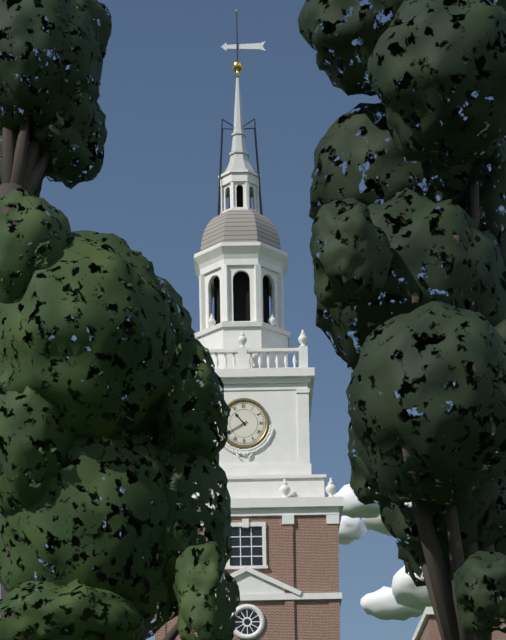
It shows {"hour": 10, "minute": 40}
